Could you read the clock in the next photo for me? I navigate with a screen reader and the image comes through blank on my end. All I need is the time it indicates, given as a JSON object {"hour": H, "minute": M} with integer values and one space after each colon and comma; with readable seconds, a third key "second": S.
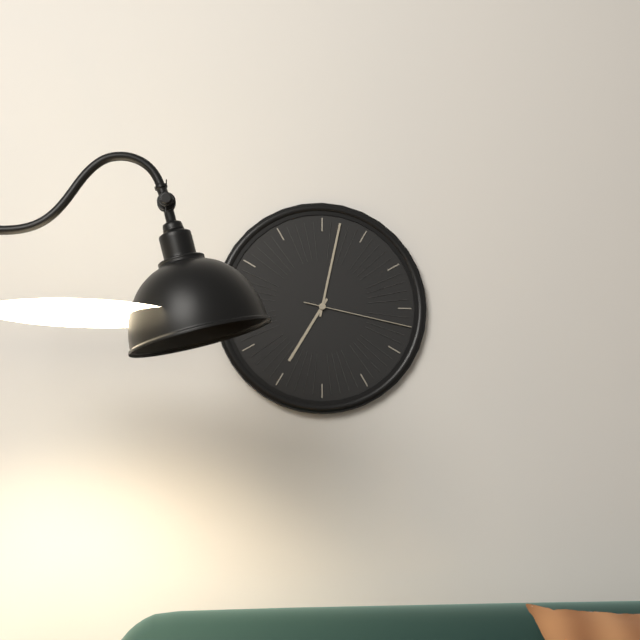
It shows {"hour": 7, "minute": 2, "second": 17}
